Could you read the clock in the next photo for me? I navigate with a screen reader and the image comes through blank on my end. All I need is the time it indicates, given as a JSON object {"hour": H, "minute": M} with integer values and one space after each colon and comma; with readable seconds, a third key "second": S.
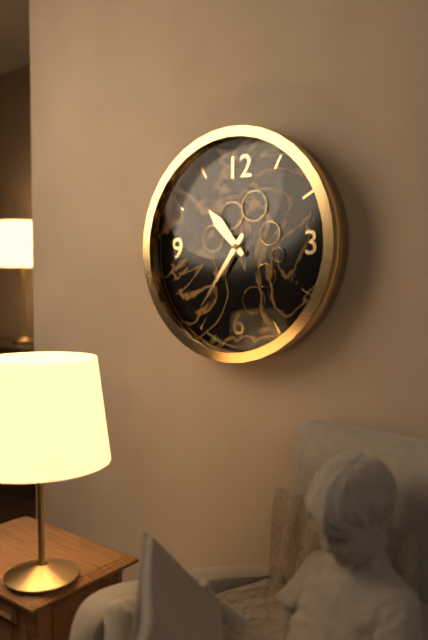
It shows {"hour": 10, "minute": 36}
